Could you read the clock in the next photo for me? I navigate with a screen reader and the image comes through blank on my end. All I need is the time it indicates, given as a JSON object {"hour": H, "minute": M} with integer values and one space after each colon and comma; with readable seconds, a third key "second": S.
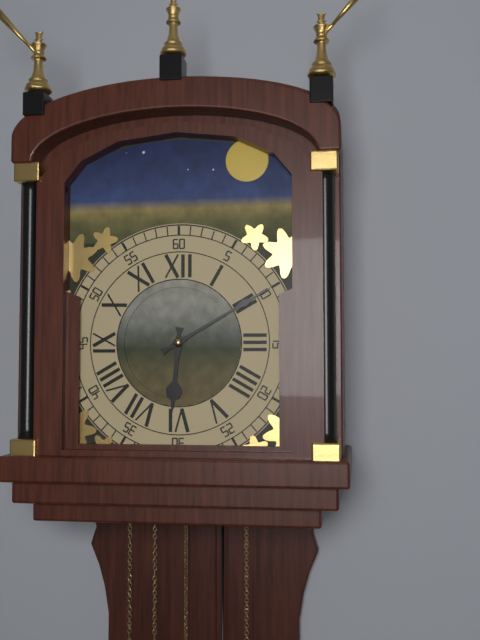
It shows {"hour": 6, "minute": 10}
